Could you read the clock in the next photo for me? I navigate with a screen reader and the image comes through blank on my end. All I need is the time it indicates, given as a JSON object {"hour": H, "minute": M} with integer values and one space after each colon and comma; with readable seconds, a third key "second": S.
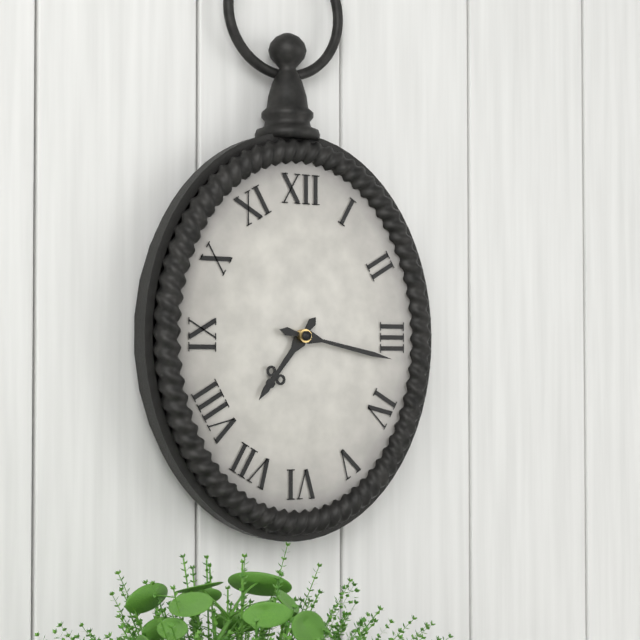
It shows {"hour": 7, "minute": 17}
